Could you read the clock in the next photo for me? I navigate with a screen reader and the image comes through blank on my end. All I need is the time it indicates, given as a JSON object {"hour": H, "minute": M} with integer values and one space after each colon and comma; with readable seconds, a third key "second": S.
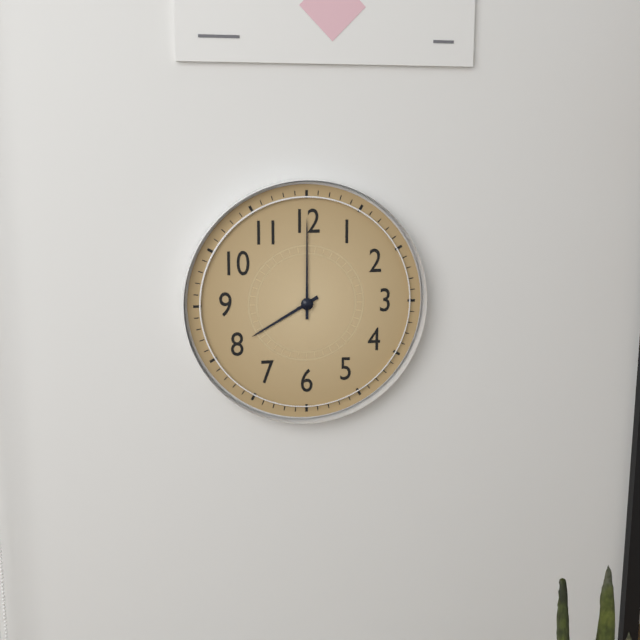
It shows {"hour": 8, "minute": 0}
